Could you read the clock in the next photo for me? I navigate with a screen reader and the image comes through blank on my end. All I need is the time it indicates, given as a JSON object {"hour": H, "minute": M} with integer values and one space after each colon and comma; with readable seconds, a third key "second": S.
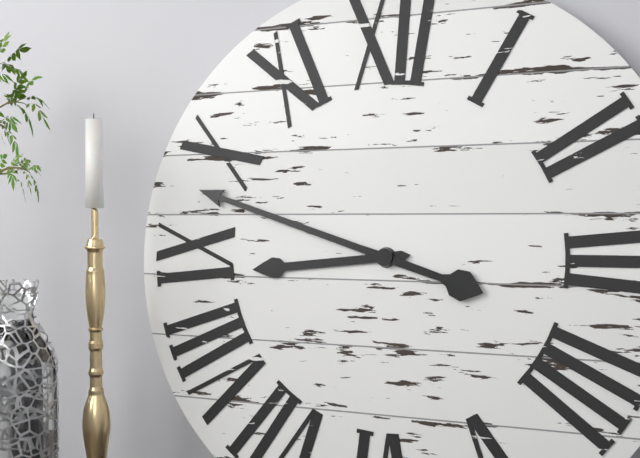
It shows {"hour": 8, "minute": 48}
